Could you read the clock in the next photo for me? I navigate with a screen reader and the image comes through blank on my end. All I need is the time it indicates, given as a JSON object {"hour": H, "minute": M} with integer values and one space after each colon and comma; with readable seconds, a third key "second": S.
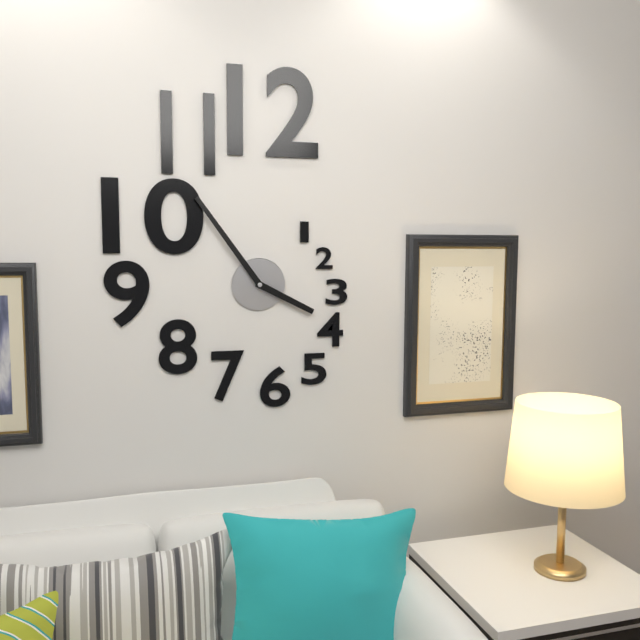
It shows {"hour": 3, "minute": 54}
